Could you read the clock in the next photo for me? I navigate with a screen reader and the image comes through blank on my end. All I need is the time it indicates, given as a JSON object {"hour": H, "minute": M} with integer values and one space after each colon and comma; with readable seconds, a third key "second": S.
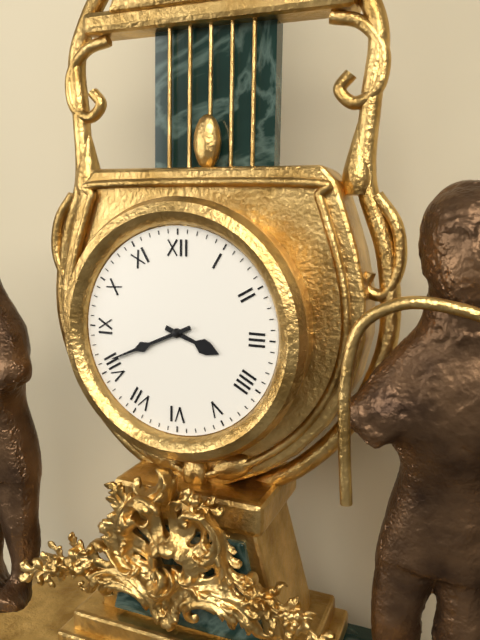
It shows {"hour": 3, "minute": 41}
